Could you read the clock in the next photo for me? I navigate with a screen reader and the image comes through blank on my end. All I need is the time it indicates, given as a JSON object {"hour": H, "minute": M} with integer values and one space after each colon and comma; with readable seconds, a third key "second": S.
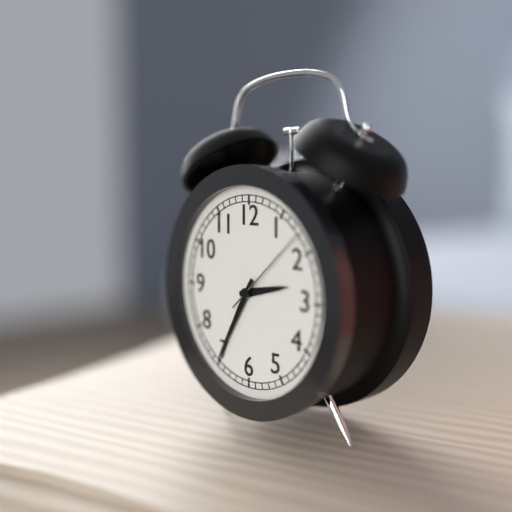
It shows {"hour": 2, "minute": 35, "second": 8}
